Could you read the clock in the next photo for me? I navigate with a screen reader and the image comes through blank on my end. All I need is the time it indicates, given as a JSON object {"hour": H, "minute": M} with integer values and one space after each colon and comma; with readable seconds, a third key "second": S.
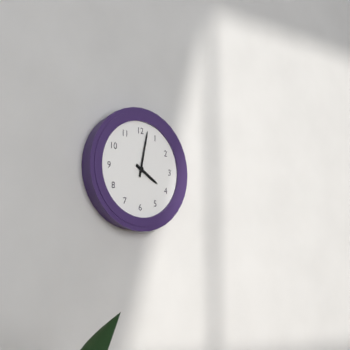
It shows {"hour": 4, "minute": 2}
